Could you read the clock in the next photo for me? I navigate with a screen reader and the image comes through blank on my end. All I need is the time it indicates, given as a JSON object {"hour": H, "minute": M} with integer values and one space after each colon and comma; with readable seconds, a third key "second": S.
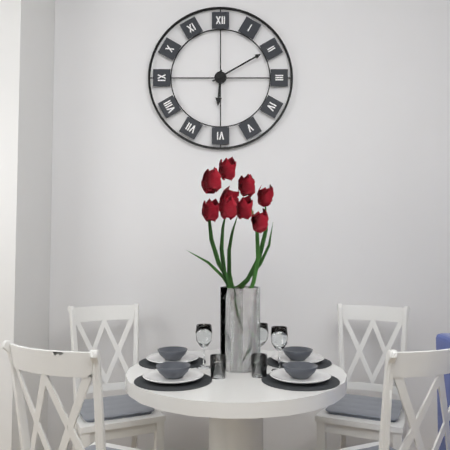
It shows {"hour": 6, "minute": 10}
